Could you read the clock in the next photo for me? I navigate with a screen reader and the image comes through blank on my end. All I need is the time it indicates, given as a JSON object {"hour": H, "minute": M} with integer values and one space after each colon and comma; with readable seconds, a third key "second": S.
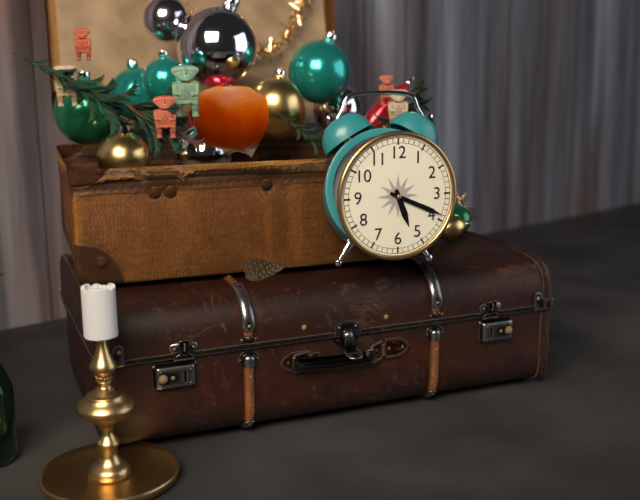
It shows {"hour": 5, "minute": 19}
